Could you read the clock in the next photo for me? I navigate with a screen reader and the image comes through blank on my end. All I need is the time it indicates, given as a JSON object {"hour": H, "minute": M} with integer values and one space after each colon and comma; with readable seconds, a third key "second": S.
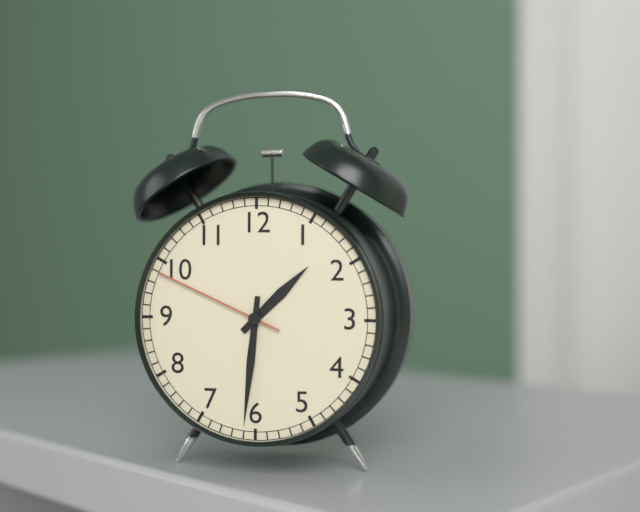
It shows {"hour": 1, "minute": 31, "second": 49}
